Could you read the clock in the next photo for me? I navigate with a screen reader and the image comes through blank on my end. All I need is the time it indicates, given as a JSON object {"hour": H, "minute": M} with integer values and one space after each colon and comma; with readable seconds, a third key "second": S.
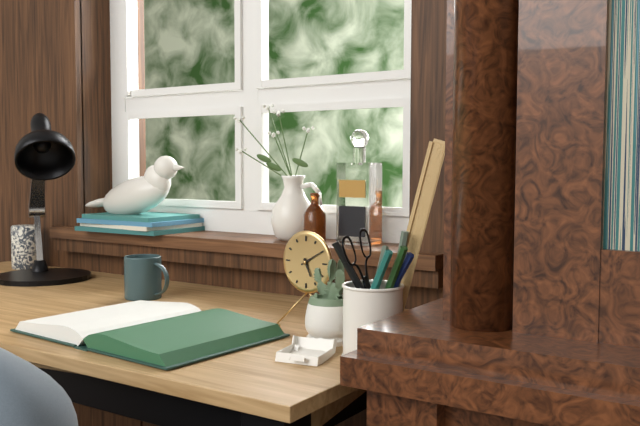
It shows {"hour": 5, "minute": 10}
